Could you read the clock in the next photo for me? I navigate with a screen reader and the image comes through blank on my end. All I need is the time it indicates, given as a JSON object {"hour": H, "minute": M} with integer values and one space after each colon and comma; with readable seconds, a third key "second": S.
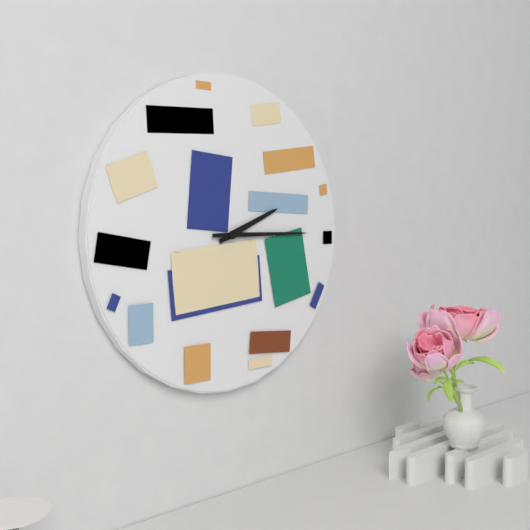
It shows {"hour": 2, "minute": 15}
